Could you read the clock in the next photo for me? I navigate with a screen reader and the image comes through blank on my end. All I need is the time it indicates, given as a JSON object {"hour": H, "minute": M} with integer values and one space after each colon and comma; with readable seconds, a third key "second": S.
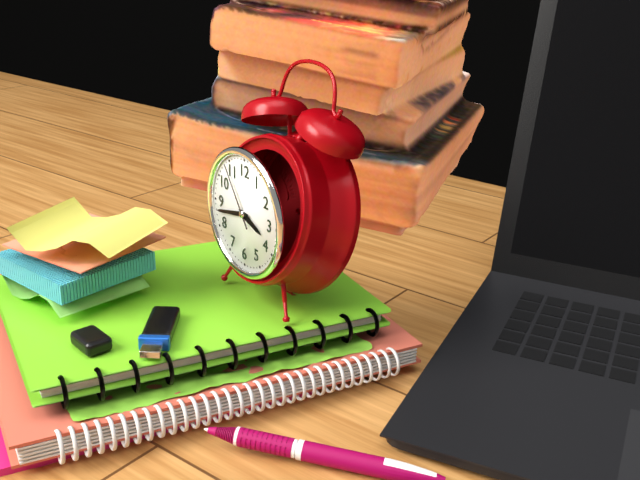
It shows {"hour": 3, "minute": 43, "second": 54}
